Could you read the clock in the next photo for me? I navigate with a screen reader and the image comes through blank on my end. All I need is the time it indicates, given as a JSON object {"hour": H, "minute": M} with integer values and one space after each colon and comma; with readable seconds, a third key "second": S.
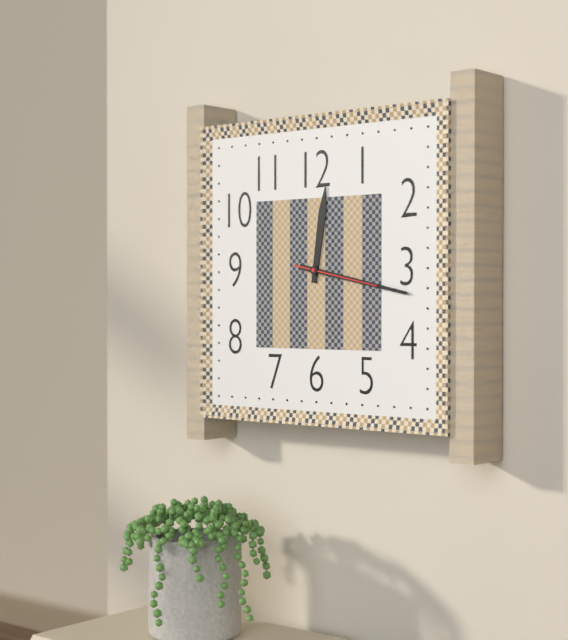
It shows {"hour": 12, "minute": 17, "second": 17}
